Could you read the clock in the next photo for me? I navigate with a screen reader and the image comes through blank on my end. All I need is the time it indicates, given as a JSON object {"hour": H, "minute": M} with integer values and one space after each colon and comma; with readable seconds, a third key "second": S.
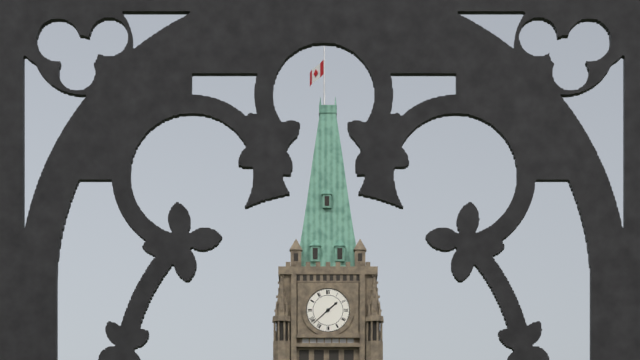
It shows {"hour": 1, "minute": 38}
